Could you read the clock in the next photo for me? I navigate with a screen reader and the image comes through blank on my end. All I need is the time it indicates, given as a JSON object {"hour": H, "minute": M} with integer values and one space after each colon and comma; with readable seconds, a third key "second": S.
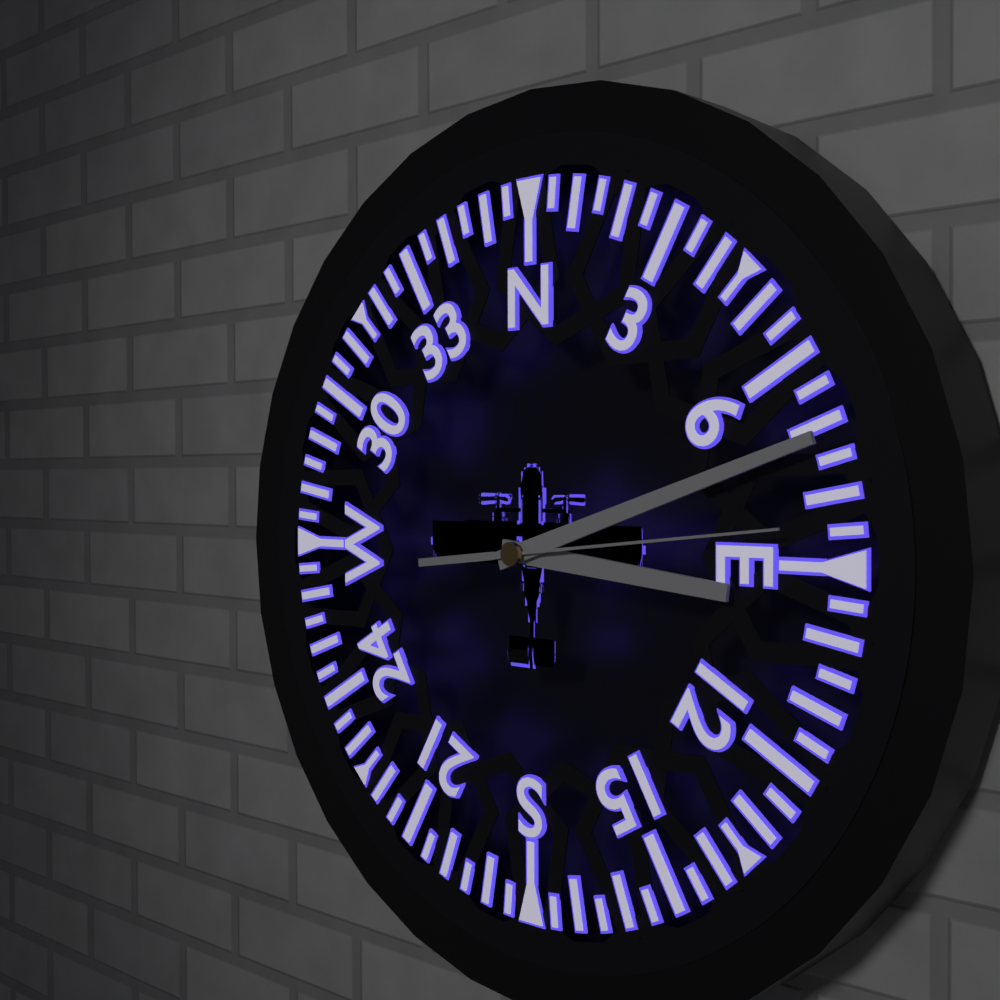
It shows {"hour": 3, "minute": 12, "second": 14}
